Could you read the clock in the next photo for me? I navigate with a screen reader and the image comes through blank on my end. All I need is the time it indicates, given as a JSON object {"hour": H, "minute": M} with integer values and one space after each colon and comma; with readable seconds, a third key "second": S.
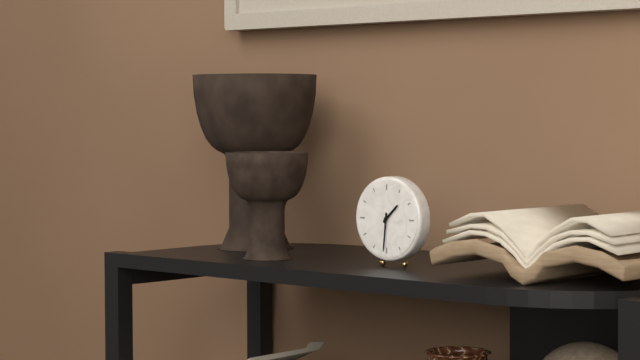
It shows {"hour": 1, "minute": 31}
